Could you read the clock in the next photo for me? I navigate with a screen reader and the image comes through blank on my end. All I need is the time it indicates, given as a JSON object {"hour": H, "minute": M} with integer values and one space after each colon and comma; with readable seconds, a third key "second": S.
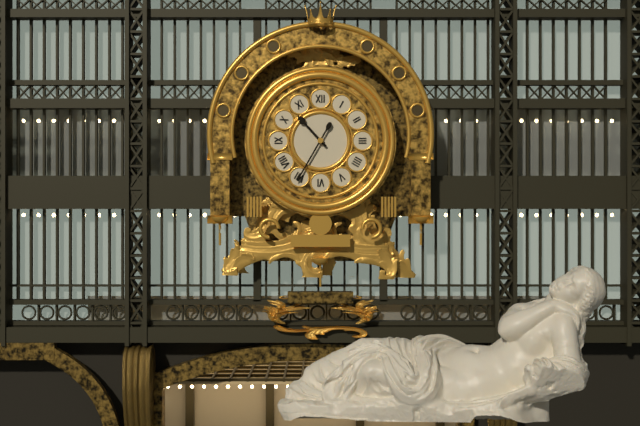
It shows {"hour": 10, "minute": 35}
